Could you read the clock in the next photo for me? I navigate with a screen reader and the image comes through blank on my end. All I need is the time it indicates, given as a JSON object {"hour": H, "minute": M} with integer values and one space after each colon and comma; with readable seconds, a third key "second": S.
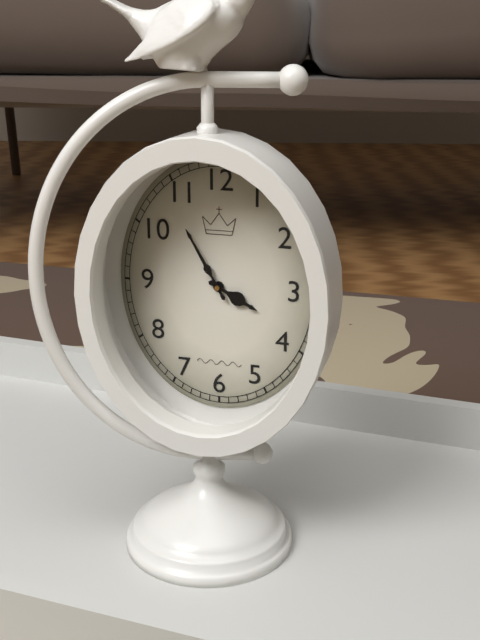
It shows {"hour": 3, "minute": 55}
